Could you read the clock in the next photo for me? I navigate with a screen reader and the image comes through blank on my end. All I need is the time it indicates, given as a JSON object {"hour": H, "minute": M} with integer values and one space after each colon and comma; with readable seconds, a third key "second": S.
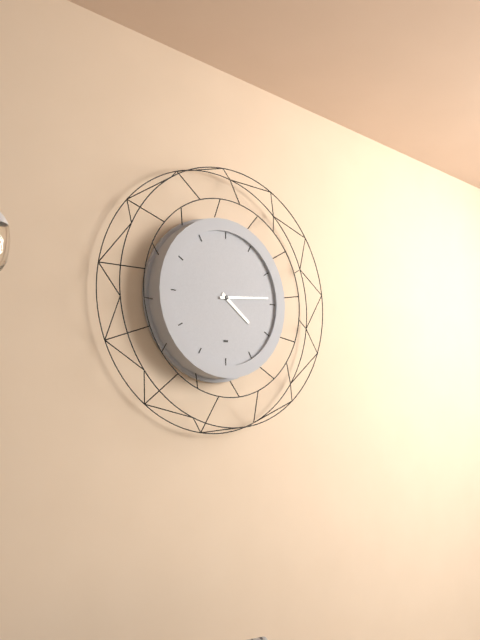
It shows {"hour": 4, "minute": 14}
